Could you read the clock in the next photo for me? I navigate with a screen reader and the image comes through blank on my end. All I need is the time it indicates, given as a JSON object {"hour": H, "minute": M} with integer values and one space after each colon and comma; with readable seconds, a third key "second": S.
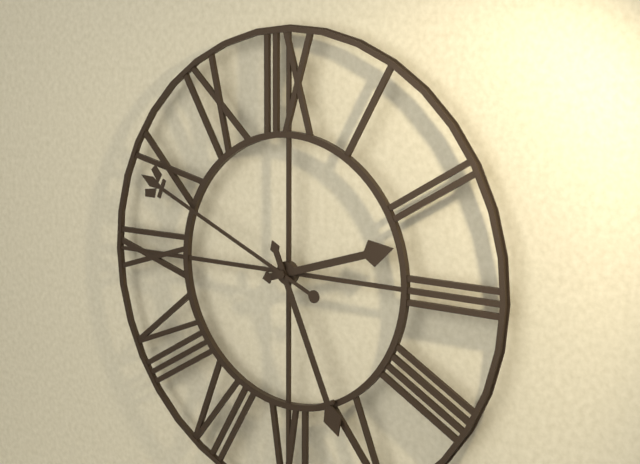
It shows {"hour": 2, "minute": 26, "second": 49}
